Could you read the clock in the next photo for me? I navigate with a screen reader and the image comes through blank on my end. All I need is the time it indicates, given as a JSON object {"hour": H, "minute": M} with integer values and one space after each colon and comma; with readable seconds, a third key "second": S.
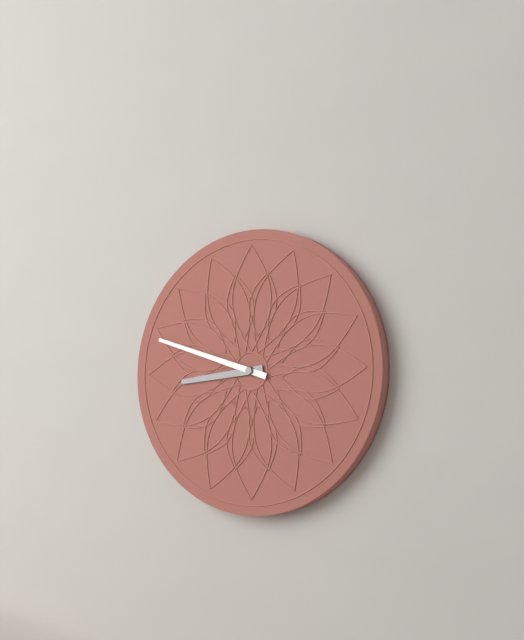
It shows {"hour": 8, "minute": 48}
